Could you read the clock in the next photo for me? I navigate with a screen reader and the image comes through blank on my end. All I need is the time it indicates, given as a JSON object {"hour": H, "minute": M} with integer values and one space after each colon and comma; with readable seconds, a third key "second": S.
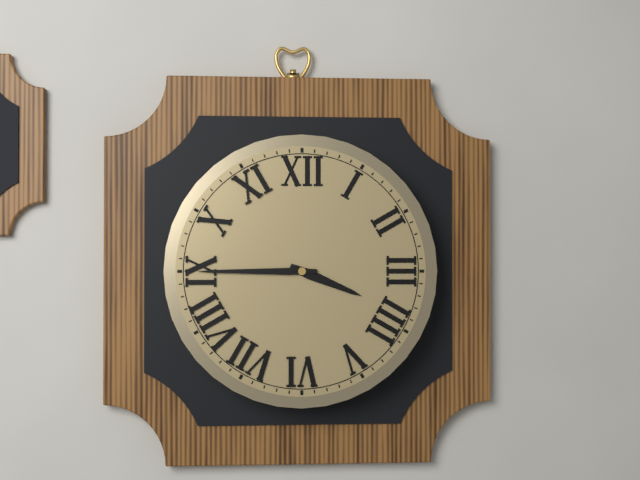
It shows {"hour": 3, "minute": 45}
